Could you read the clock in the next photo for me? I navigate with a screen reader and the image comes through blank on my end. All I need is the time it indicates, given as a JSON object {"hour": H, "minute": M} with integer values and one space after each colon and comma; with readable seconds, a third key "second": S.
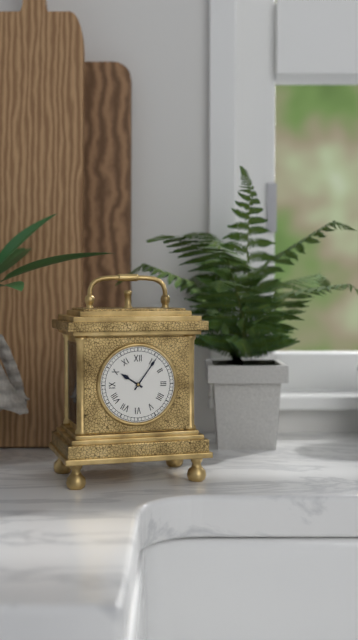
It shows {"hour": 10, "minute": 6}
